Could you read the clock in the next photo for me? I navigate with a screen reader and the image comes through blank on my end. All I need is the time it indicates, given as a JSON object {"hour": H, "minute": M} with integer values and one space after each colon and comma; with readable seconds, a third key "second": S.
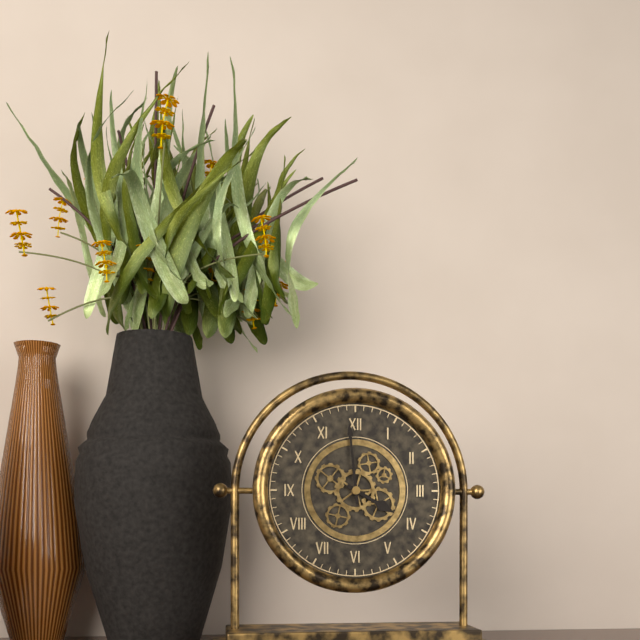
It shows {"hour": 3, "minute": 59}
